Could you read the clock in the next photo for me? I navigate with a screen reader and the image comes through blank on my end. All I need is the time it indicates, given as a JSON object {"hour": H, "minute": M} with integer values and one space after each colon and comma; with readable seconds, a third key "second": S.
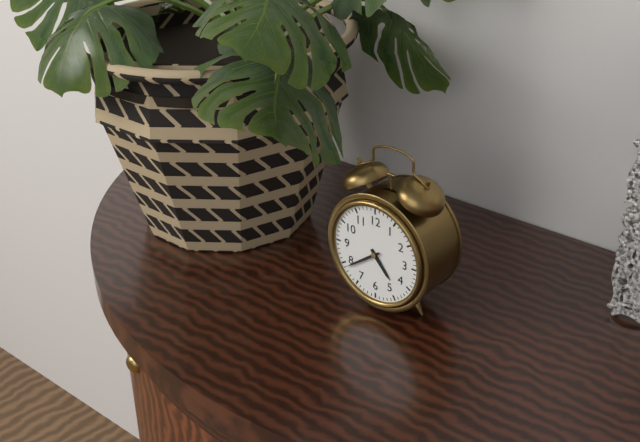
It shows {"hour": 4, "minute": 39}
